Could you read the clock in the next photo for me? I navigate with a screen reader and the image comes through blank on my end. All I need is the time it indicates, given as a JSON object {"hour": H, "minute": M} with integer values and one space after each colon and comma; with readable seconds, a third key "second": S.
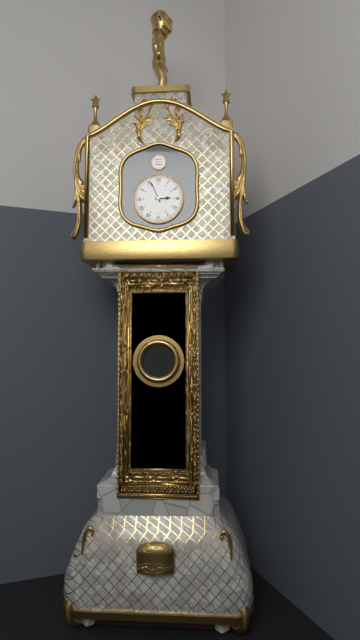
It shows {"hour": 2, "minute": 56}
